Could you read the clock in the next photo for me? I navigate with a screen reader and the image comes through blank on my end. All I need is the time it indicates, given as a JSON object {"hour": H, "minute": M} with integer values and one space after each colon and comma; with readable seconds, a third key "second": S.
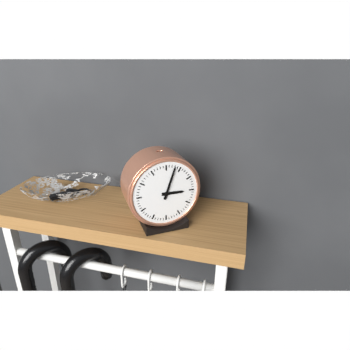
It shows {"hour": 3, "minute": 3}
